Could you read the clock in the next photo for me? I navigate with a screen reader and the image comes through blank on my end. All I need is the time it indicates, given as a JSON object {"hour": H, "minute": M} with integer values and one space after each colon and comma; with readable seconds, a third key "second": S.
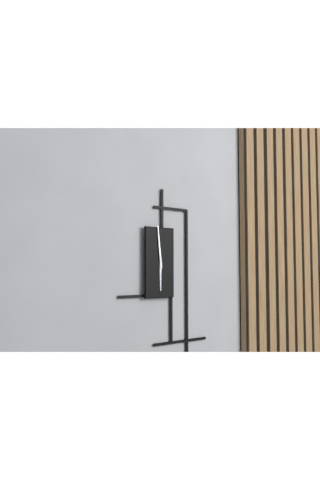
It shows {"hour": 5, "minute": 59}
